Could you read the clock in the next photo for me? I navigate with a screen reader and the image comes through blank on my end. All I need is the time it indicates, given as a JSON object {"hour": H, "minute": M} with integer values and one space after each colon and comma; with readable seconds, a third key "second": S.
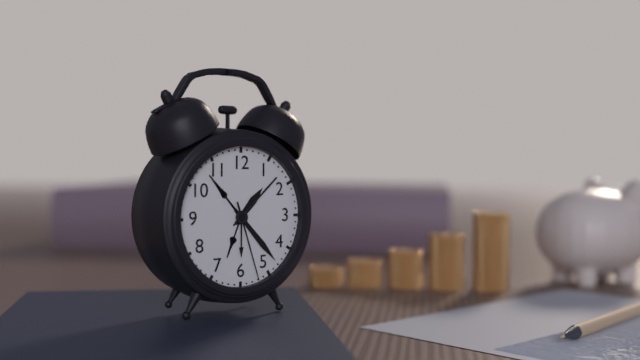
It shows {"hour": 1, "minute": 23, "second": 27}
